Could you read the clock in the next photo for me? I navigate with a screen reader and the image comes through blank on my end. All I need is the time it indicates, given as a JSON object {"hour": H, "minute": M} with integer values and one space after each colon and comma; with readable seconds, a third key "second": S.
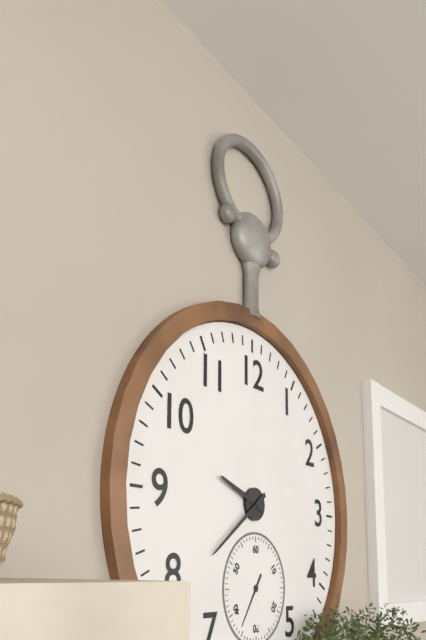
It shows {"hour": 9, "minute": 39}
